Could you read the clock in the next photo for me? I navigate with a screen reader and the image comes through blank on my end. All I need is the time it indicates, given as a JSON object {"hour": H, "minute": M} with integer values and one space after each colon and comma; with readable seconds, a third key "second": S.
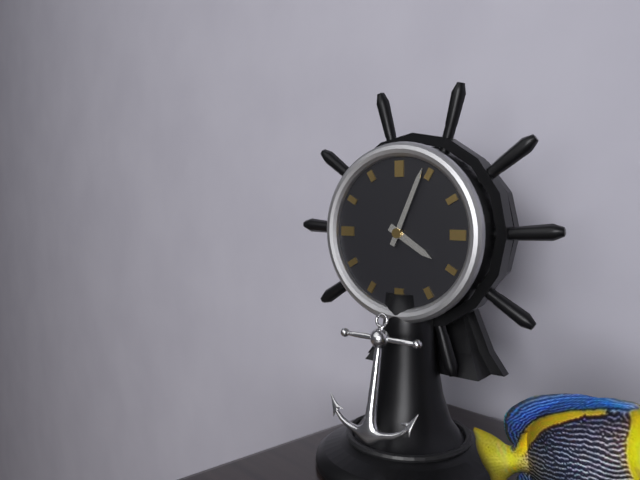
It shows {"hour": 4, "minute": 4}
